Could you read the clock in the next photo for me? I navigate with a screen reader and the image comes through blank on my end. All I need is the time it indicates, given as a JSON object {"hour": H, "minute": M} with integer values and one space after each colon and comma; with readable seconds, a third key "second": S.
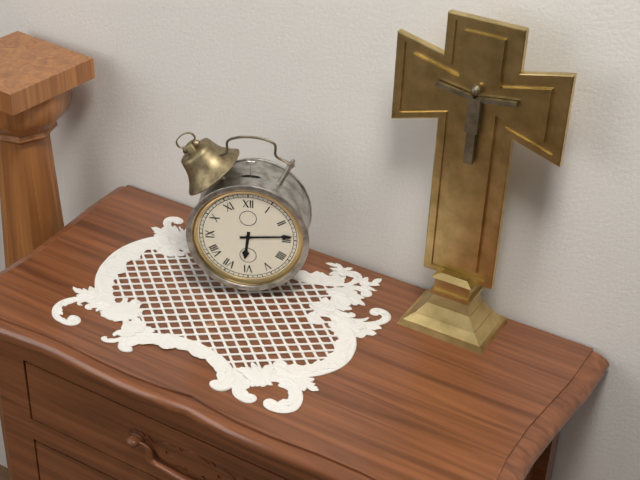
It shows {"hour": 6, "minute": 14}
